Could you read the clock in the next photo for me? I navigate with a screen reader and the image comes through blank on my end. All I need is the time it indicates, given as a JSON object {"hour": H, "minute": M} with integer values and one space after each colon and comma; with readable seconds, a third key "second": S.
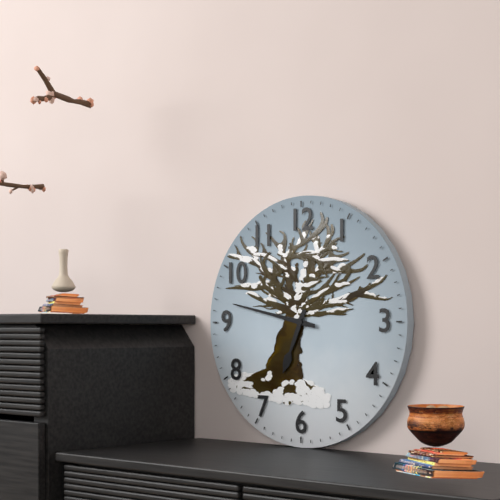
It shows {"hour": 6, "minute": 47}
